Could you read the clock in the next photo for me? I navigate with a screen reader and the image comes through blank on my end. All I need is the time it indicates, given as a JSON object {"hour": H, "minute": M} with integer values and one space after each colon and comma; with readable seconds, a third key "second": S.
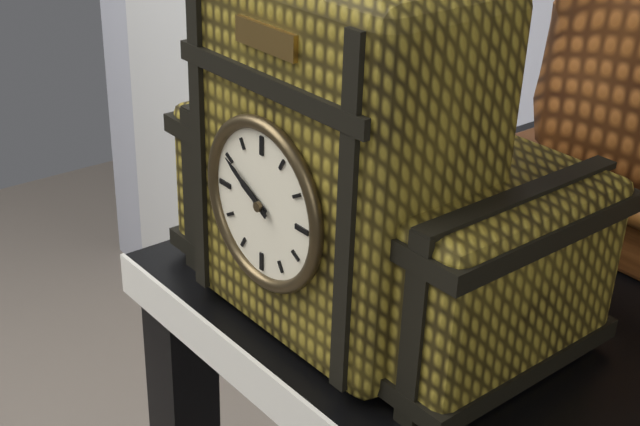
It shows {"hour": 9, "minute": 50}
